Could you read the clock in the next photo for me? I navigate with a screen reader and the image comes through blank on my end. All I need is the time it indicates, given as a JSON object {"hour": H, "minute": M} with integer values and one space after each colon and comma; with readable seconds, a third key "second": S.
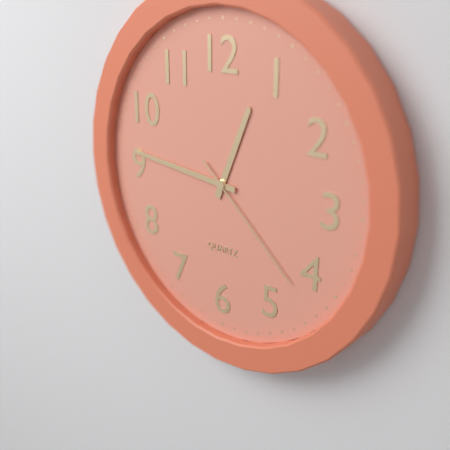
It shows {"hour": 12, "minute": 46, "second": 22}
